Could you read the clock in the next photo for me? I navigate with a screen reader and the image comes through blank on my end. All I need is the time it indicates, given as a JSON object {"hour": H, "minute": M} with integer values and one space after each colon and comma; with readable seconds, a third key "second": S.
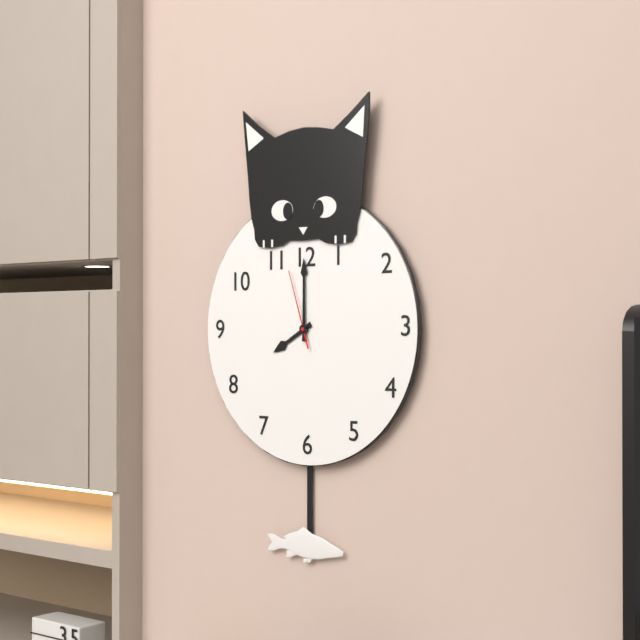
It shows {"hour": 8, "minute": 0, "second": 57}
